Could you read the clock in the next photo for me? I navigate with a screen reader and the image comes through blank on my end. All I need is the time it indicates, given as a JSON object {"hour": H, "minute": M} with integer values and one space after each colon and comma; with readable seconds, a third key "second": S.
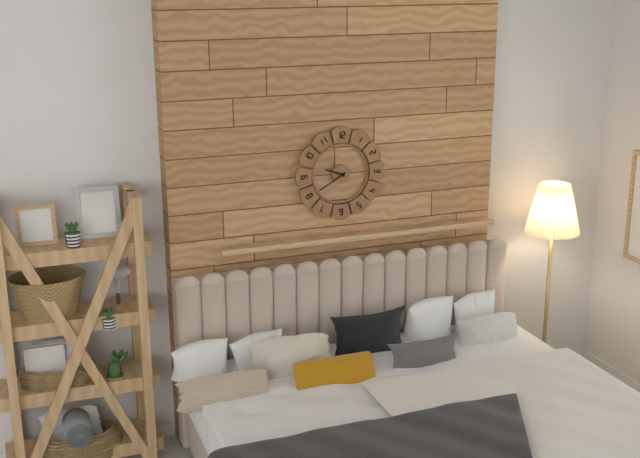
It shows {"hour": 9, "minute": 40}
